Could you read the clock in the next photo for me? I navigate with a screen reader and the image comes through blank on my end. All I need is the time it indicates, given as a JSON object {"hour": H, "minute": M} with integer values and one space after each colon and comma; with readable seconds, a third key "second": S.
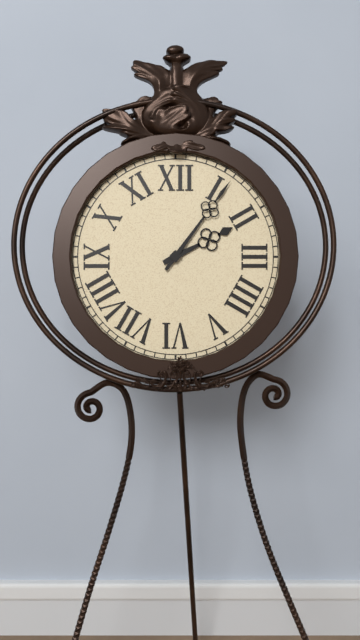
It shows {"hour": 2, "minute": 6}
